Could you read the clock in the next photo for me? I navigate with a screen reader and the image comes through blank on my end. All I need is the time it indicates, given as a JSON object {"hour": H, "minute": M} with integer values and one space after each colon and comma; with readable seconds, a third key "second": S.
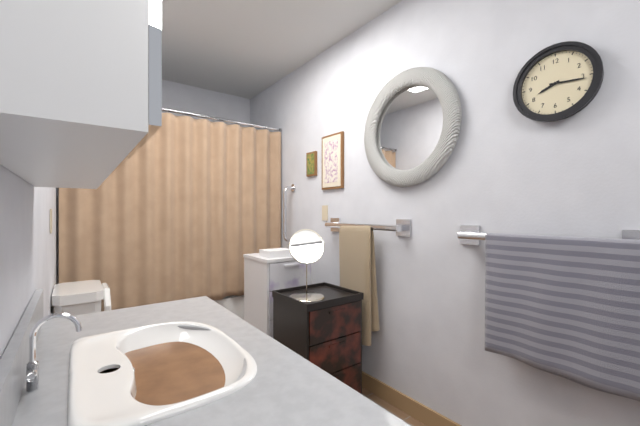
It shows {"hour": 8, "minute": 16}
